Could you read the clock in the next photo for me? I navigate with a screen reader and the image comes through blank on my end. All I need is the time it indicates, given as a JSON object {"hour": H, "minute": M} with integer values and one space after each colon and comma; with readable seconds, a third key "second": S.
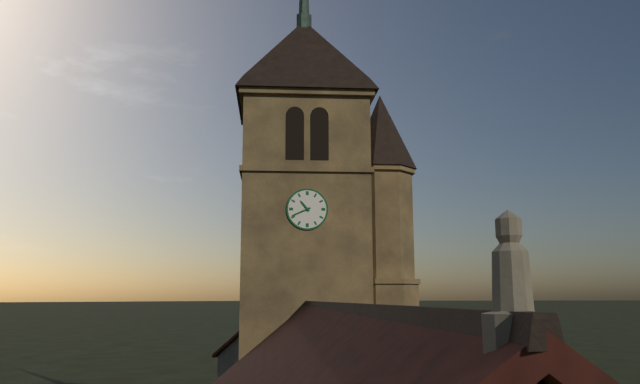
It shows {"hour": 10, "minute": 41}
